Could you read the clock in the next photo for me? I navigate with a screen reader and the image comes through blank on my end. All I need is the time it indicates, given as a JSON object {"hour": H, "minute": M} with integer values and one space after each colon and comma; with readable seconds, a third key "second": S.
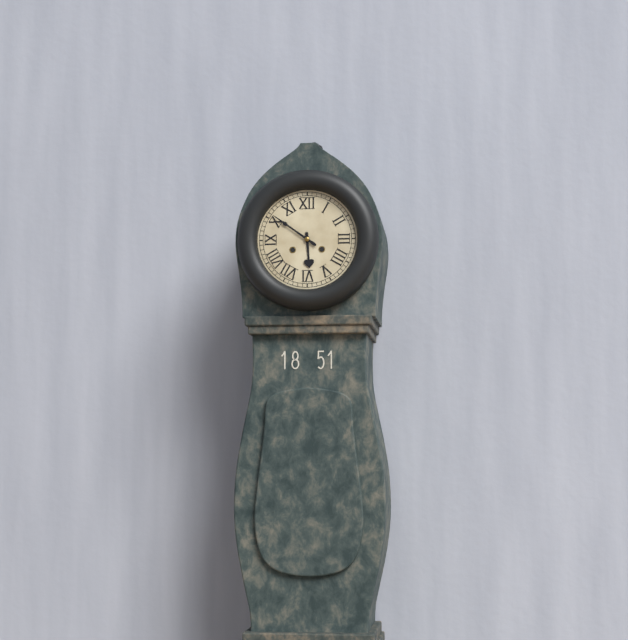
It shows {"hour": 5, "minute": 51}
